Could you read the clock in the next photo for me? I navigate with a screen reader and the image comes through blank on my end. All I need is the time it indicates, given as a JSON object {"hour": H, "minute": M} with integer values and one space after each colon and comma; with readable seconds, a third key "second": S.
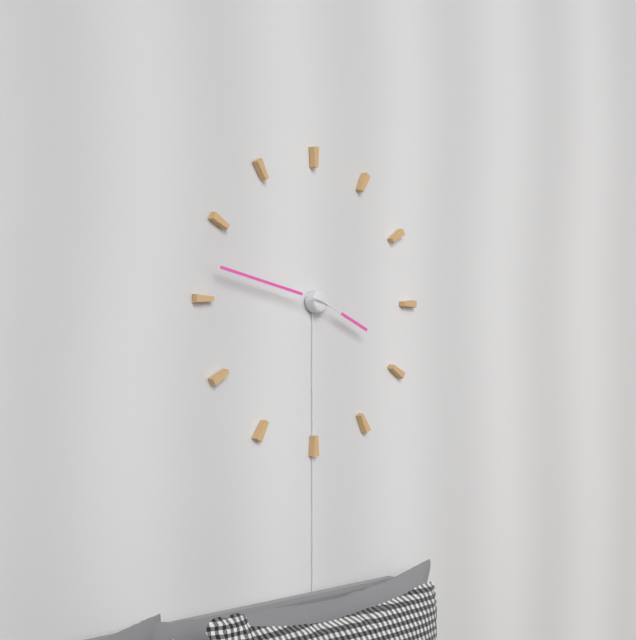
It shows {"hour": 3, "minute": 47}
